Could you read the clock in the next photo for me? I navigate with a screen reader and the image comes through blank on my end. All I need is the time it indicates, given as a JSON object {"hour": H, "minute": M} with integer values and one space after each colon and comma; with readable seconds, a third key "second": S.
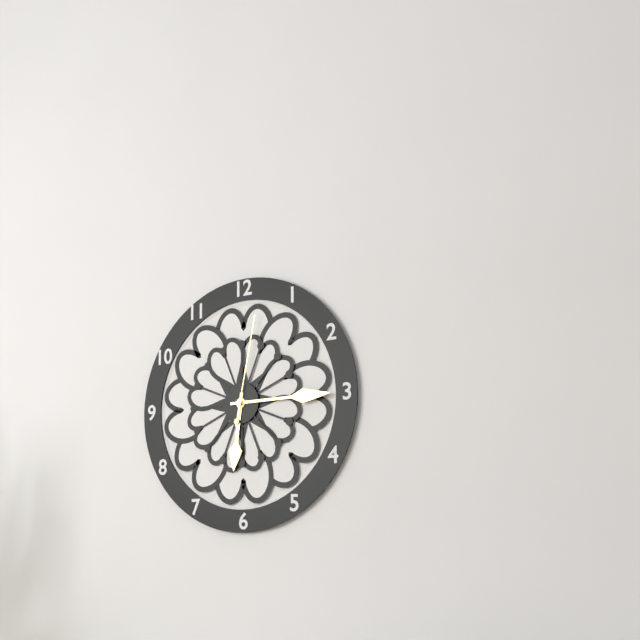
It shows {"hour": 6, "minute": 15, "second": 2}
